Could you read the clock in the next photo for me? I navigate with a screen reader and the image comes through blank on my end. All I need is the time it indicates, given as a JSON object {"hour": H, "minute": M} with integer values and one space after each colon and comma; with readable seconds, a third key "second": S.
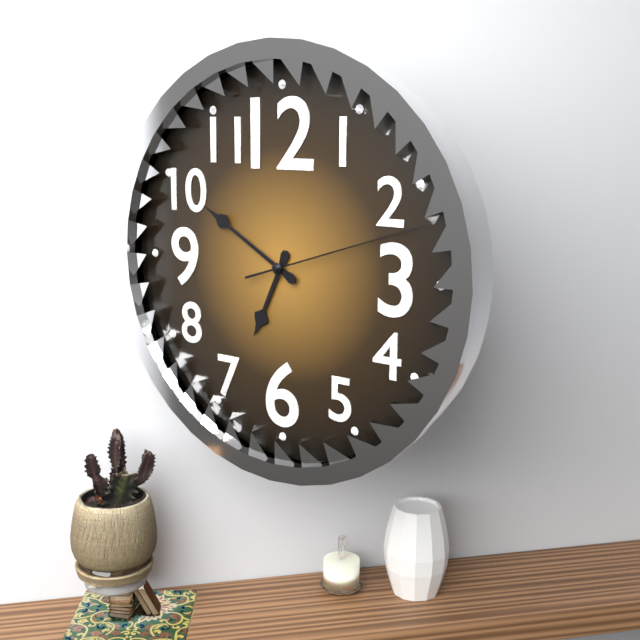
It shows {"hour": 6, "minute": 50, "second": 12}
